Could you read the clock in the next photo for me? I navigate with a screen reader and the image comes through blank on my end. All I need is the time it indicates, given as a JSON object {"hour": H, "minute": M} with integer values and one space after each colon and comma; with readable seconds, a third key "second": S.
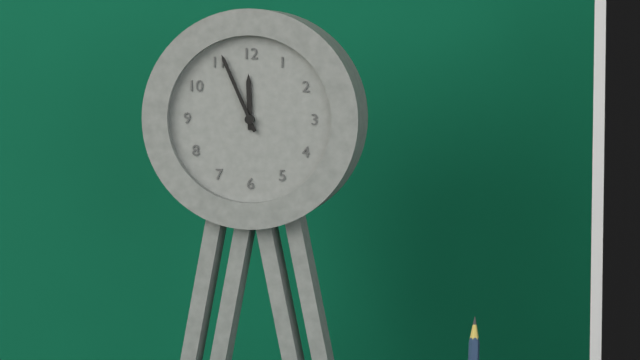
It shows {"hour": 11, "minute": 56}
